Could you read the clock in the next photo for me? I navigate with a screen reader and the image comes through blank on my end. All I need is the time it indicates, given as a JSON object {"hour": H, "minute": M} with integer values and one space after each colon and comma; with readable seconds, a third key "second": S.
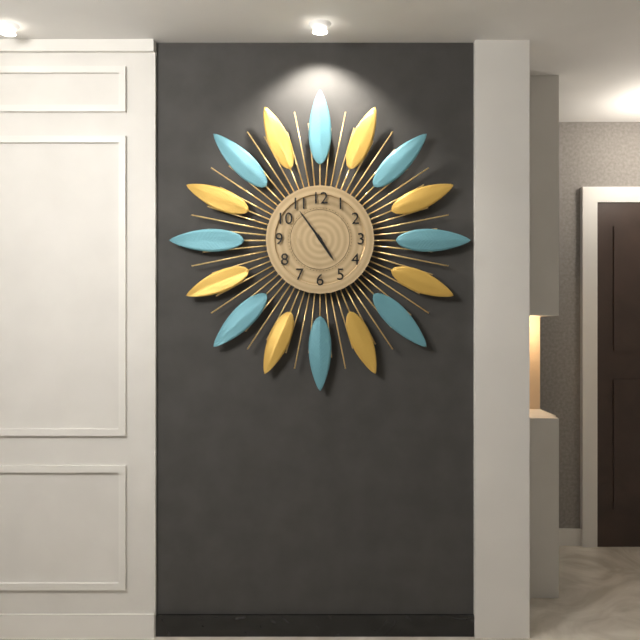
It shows {"hour": 4, "minute": 54}
